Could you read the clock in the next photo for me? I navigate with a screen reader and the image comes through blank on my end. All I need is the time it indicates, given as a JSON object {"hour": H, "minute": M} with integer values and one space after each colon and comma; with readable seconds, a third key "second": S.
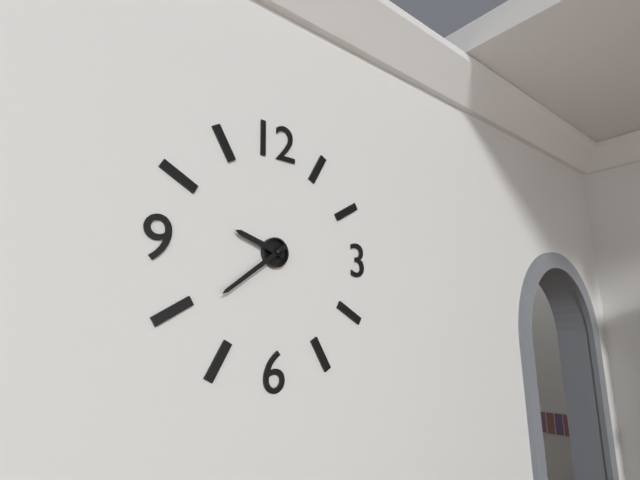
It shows {"hour": 9, "minute": 39}
